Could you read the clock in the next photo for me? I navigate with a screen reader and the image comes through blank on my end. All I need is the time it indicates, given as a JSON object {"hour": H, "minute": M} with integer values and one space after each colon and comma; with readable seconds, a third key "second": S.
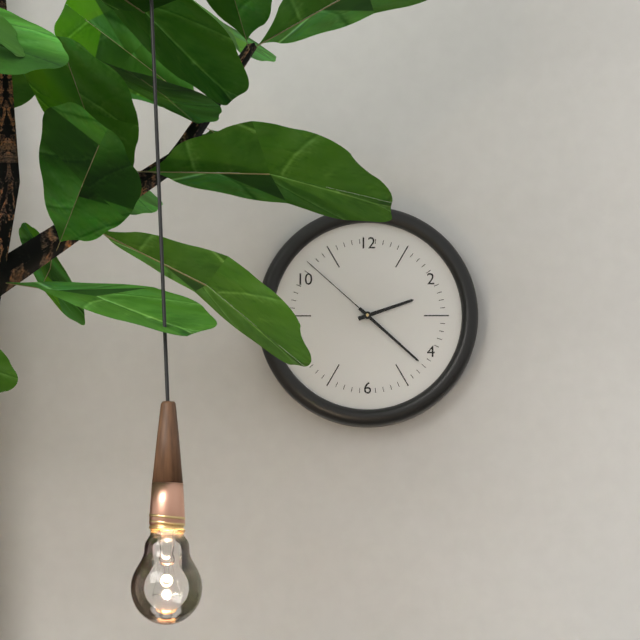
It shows {"hour": 2, "minute": 22, "second": 52}
